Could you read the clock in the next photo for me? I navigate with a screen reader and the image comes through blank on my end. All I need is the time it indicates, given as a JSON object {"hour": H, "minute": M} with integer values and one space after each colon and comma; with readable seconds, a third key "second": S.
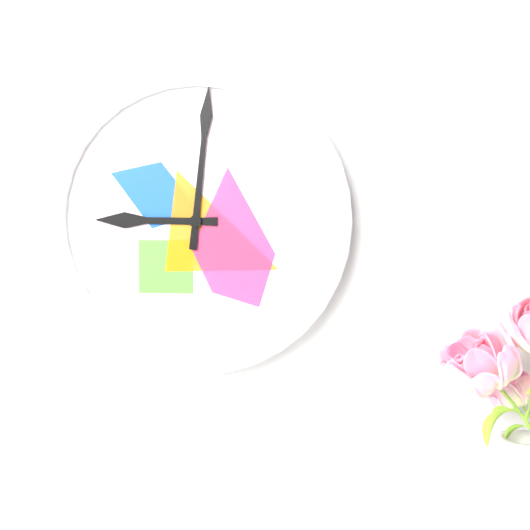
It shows {"hour": 9, "minute": 1}
